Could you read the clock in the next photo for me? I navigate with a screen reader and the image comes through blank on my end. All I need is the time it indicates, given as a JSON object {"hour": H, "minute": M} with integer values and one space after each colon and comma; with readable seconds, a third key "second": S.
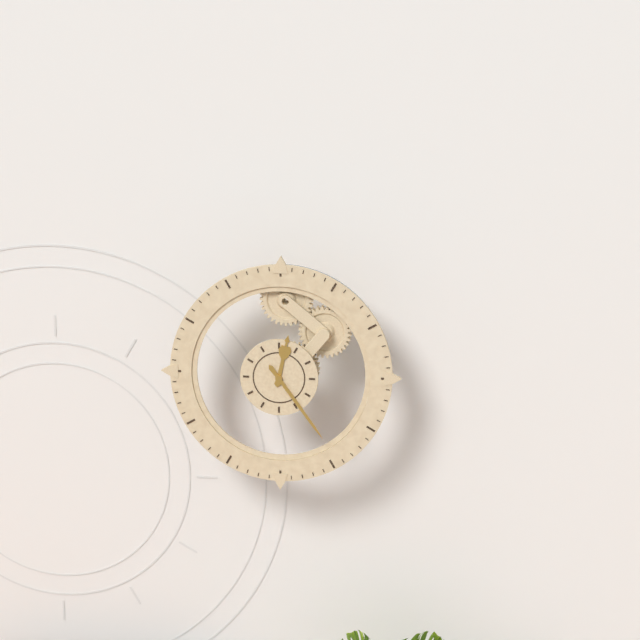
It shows {"hour": 12, "minute": 24}
